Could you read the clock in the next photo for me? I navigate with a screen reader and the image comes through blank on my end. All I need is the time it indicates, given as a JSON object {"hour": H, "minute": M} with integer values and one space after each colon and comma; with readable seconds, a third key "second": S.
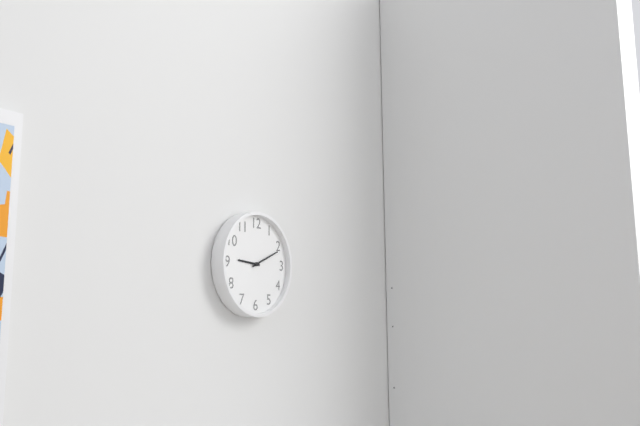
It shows {"hour": 9, "minute": 11}
